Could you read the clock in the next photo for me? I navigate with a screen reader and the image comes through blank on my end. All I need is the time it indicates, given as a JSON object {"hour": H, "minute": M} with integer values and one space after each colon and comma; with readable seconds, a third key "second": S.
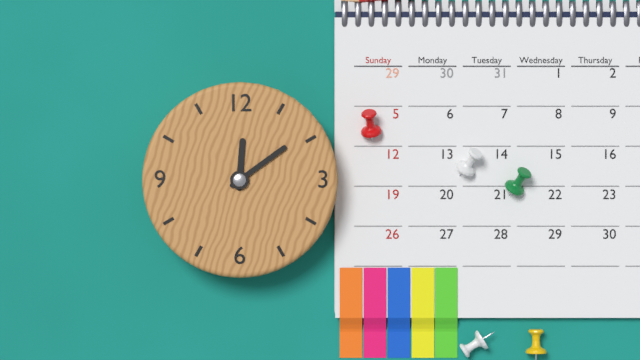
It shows {"hour": 12, "minute": 9}
